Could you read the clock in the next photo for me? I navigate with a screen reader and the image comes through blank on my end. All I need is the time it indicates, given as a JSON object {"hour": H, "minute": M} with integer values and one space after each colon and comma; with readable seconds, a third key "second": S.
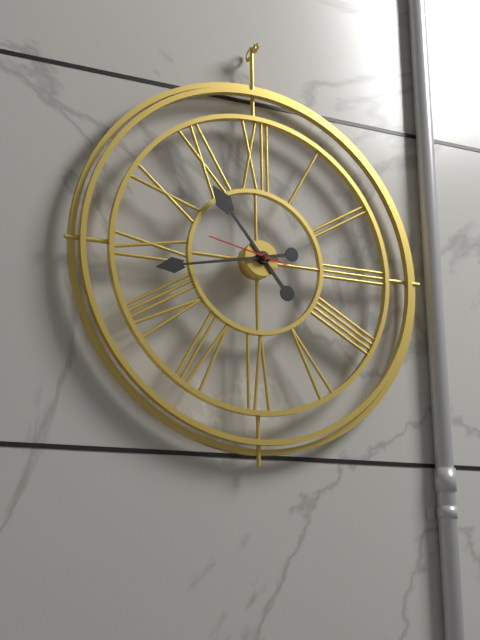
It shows {"hour": 10, "minute": 43, "second": 47}
